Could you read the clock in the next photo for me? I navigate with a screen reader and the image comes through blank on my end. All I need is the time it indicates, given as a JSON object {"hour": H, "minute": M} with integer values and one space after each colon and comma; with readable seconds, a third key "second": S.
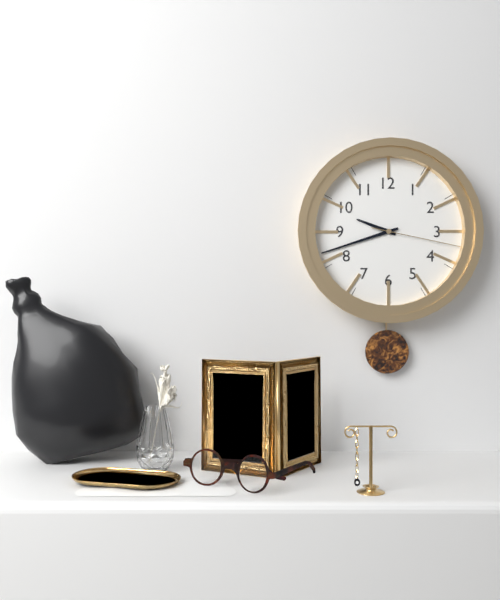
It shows {"hour": 9, "minute": 42, "second": 17}
